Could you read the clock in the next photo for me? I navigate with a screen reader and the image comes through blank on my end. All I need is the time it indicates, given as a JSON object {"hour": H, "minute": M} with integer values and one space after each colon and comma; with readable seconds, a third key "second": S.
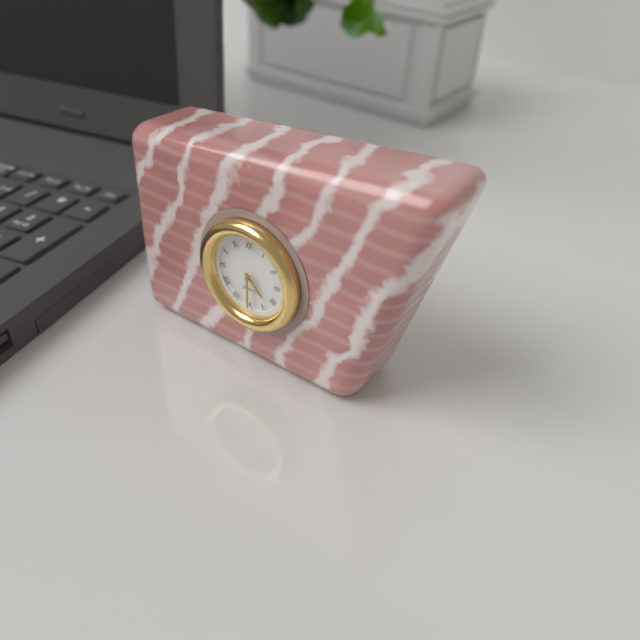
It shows {"hour": 4, "minute": 30}
